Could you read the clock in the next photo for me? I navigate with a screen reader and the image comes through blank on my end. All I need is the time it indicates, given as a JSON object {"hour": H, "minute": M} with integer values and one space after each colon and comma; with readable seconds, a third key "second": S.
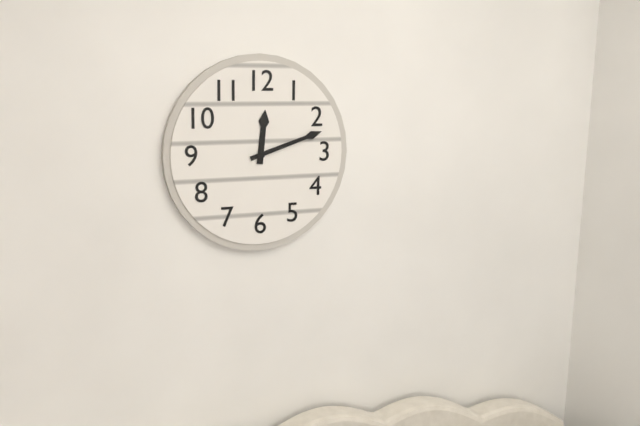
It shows {"hour": 12, "minute": 12}
